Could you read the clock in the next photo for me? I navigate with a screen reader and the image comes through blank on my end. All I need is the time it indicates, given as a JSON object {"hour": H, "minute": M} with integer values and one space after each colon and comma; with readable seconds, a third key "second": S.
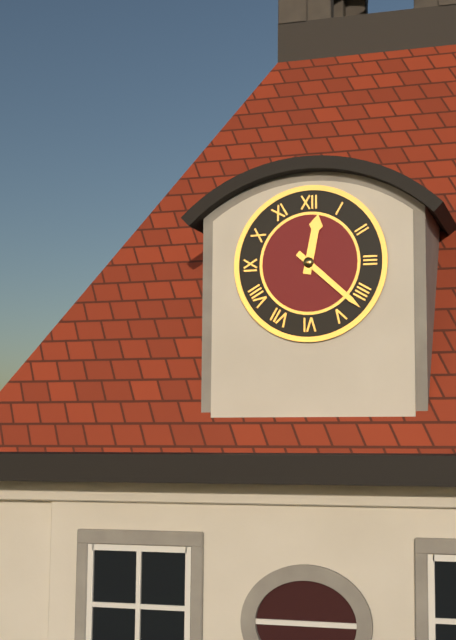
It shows {"hour": 12, "minute": 22}
